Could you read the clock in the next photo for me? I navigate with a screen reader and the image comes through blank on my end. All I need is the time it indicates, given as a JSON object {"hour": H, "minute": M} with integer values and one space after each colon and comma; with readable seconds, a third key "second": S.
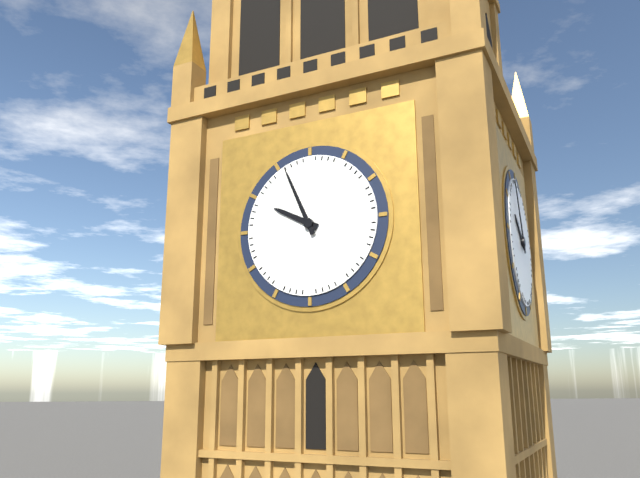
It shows {"hour": 9, "minute": 56}
